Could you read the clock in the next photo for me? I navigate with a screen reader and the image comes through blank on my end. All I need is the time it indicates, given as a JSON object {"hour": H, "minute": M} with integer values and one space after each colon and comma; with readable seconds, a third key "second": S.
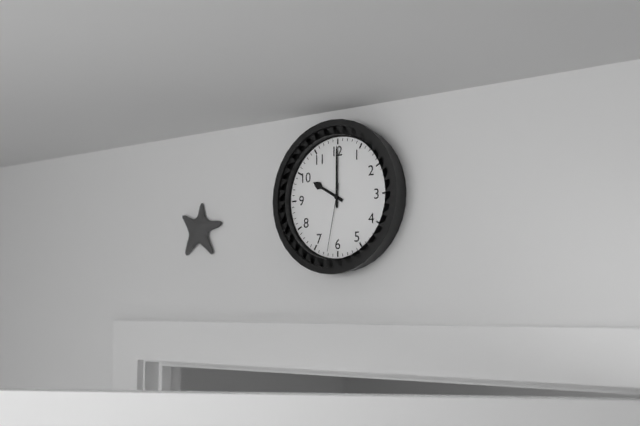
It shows {"hour": 10, "minute": 0, "second": 32}
